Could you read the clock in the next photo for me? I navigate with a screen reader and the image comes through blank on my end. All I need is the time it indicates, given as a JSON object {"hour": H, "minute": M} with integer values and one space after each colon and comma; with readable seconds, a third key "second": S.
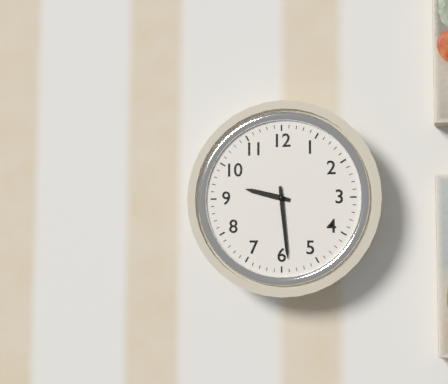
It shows {"hour": 9, "minute": 29}
